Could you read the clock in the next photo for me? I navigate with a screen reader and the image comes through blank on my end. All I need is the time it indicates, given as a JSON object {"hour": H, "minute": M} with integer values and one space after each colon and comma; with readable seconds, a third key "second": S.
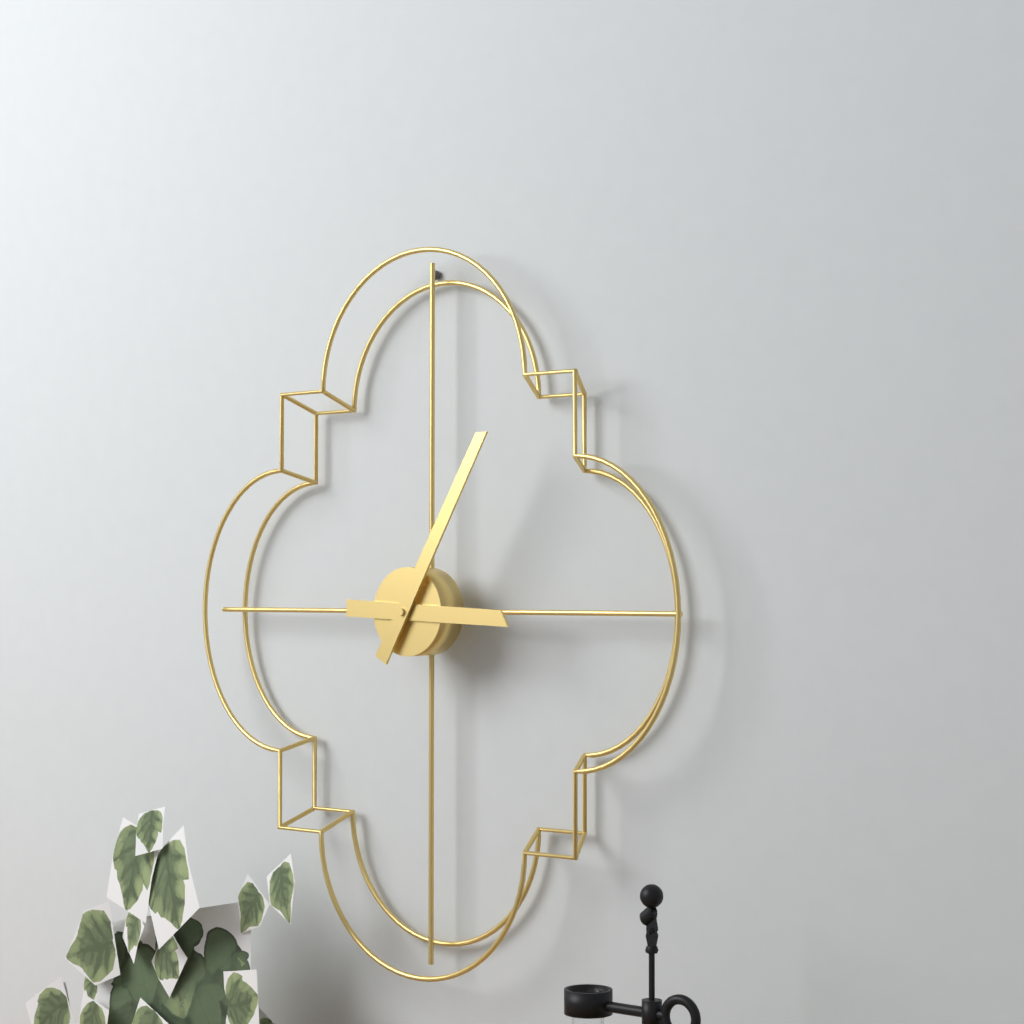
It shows {"hour": 3, "minute": 5}
